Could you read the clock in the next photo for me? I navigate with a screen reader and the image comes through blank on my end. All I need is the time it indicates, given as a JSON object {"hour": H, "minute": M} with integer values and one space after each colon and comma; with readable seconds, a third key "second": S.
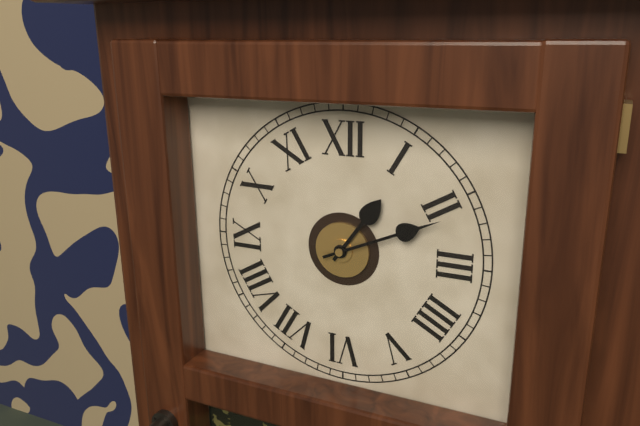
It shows {"hour": 1, "minute": 11}
